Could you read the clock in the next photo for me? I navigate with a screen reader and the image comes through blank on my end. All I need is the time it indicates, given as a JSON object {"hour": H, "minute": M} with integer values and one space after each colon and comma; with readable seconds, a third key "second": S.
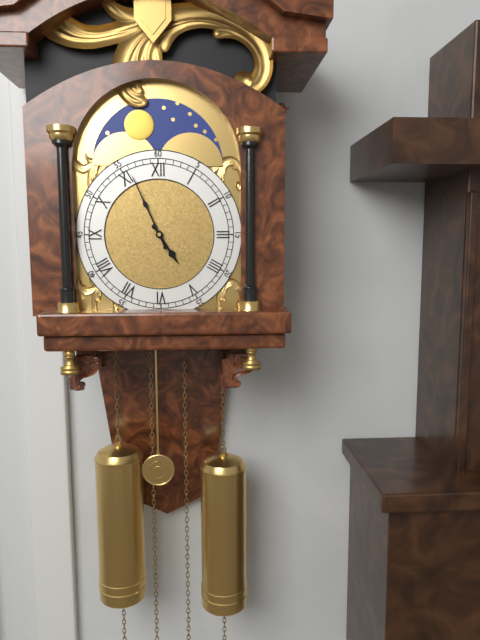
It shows {"hour": 4, "minute": 56}
